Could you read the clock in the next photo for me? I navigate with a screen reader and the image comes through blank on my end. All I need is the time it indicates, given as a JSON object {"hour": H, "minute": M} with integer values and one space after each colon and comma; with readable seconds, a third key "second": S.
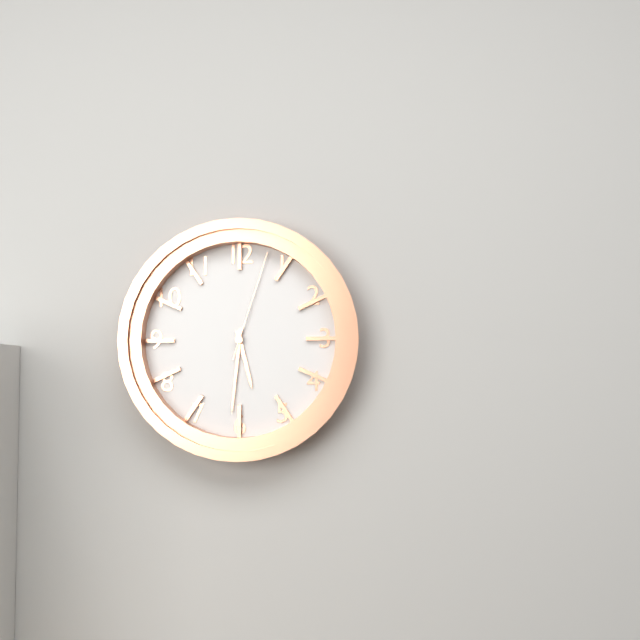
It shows {"hour": 5, "minute": 31, "second": 3}
